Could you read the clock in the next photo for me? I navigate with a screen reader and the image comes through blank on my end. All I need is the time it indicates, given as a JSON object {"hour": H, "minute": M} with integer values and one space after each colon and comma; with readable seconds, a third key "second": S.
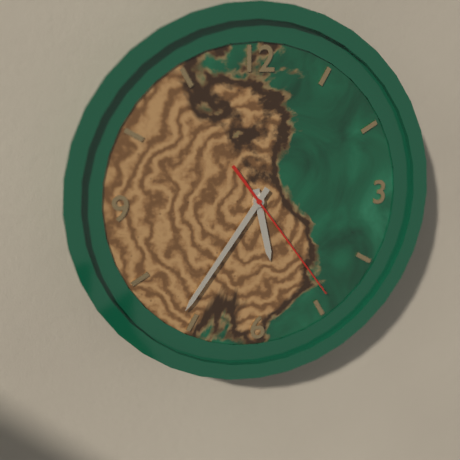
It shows {"hour": 5, "minute": 36, "second": 24}
